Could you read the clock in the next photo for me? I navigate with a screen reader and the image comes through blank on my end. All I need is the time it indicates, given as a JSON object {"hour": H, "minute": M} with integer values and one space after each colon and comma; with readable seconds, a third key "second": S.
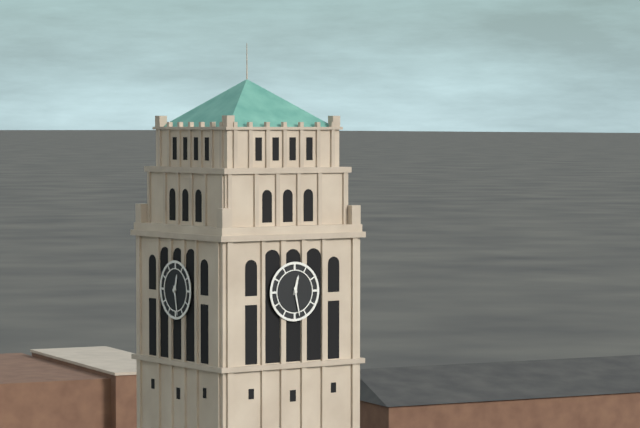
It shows {"hour": 12, "minute": 28}
